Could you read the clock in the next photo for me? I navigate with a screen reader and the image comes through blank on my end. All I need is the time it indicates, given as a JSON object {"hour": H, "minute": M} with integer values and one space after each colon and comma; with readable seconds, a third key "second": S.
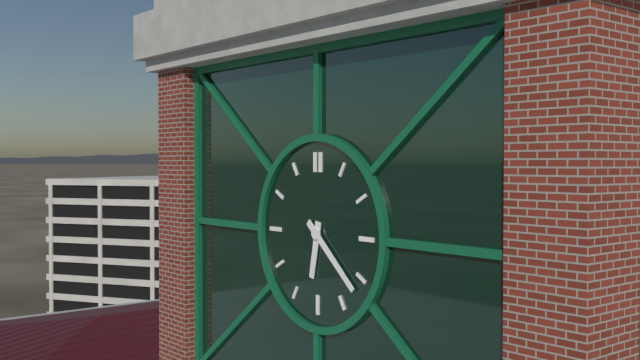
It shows {"hour": 6, "minute": 22}
